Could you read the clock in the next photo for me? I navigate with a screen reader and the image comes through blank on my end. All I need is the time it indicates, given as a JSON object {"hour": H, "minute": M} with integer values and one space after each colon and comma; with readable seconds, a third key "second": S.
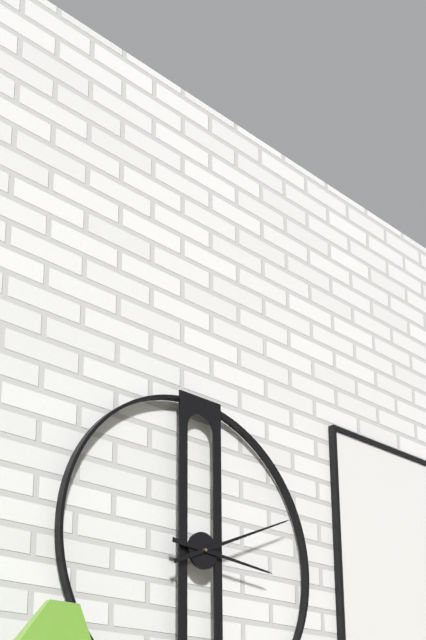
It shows {"hour": 3, "minute": 11}
